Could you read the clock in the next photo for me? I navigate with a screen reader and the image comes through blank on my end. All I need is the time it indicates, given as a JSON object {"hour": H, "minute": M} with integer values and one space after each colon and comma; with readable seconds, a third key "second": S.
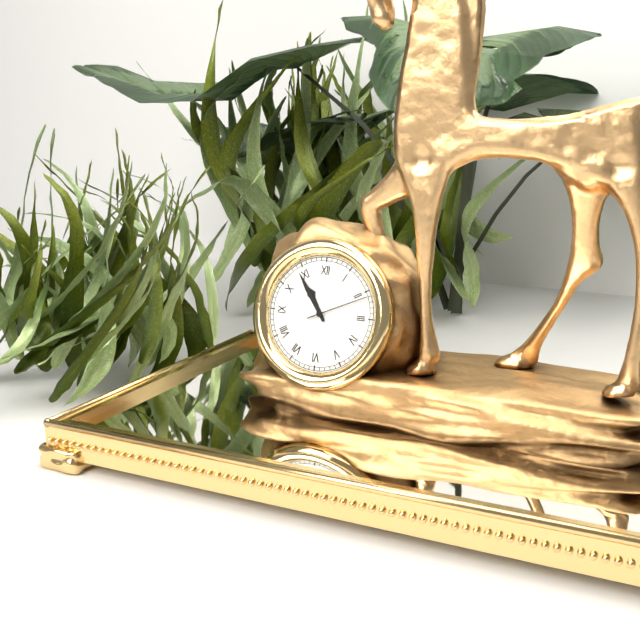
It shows {"hour": 10, "minute": 54, "second": 11}
